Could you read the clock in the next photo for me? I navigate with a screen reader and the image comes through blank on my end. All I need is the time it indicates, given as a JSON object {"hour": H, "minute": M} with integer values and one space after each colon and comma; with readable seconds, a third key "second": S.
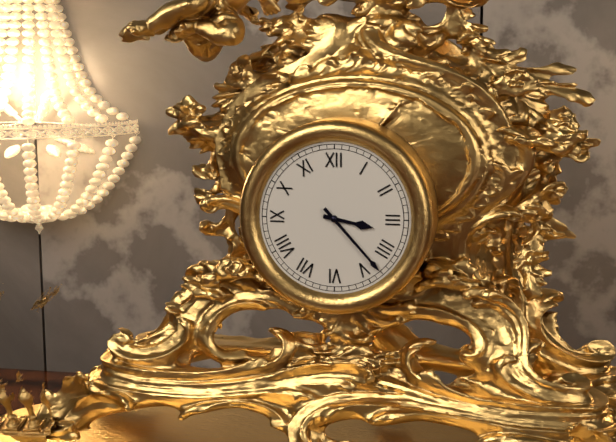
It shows {"hour": 3, "minute": 23}
